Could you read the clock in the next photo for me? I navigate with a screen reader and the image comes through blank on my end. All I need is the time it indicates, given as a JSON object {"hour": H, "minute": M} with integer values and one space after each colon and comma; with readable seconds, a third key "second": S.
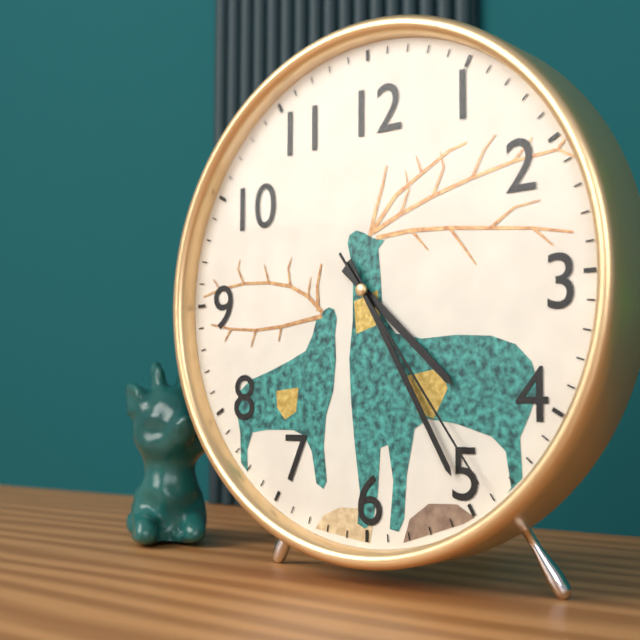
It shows {"hour": 4, "minute": 25, "second": 24}
